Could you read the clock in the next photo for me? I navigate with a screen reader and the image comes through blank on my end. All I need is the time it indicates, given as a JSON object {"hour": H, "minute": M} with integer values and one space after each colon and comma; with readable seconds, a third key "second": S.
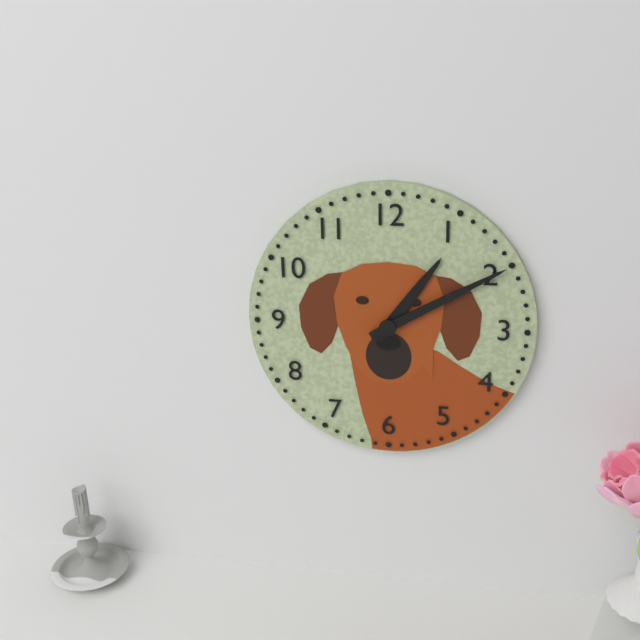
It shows {"hour": 1, "minute": 10}
